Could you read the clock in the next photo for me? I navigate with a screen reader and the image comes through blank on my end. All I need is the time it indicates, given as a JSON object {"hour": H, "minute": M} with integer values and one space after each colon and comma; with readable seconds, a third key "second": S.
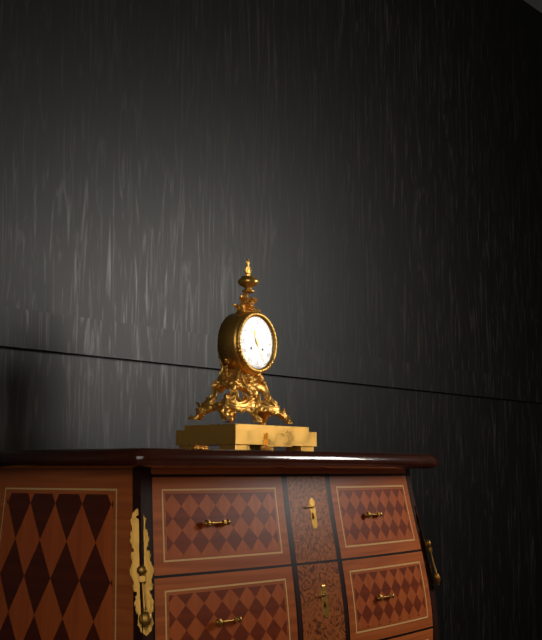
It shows {"hour": 11, "minute": 25}
